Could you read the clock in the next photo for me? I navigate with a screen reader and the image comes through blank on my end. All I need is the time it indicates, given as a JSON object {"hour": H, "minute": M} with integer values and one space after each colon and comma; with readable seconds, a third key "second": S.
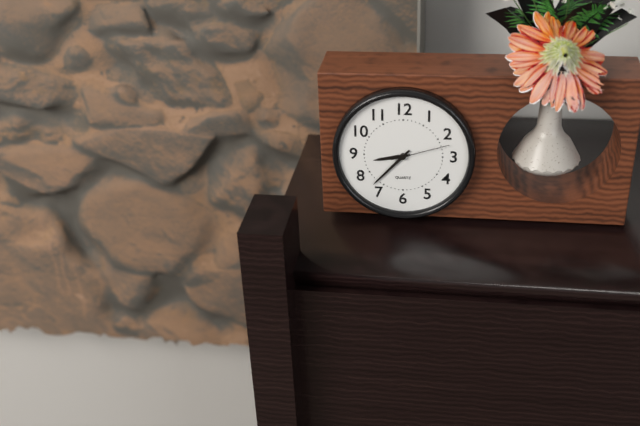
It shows {"hour": 8, "minute": 37, "second": 12}
